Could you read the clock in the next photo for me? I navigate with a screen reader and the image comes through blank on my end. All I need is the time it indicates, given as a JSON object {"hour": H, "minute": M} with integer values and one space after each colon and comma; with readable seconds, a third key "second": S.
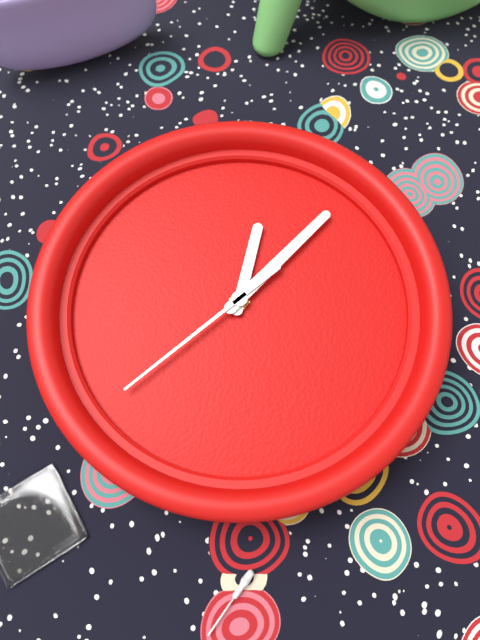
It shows {"hour": 1, "minute": 11, "second": 42}
